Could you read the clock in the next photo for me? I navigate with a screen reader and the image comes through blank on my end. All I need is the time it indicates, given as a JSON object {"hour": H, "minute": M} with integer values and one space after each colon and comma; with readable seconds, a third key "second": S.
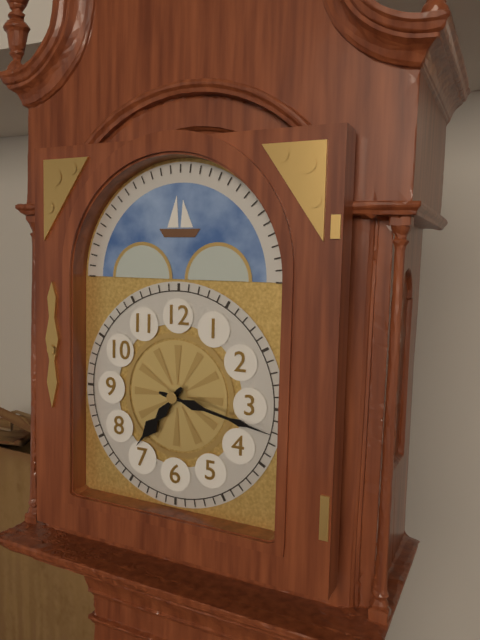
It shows {"hour": 7, "minute": 17}
